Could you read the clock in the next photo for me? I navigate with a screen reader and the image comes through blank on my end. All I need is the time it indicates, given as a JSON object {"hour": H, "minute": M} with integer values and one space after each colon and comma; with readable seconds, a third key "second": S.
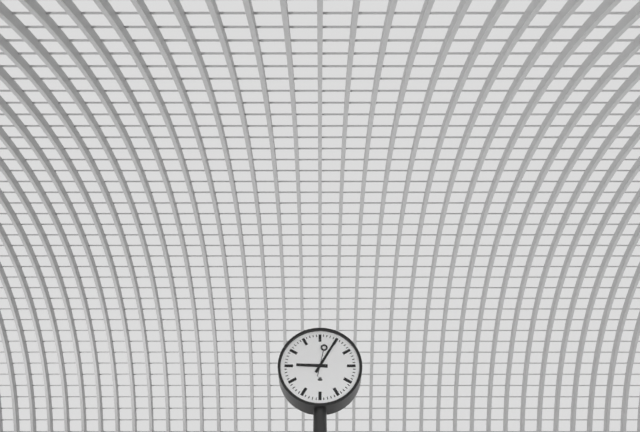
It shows {"hour": 9, "minute": 5}
